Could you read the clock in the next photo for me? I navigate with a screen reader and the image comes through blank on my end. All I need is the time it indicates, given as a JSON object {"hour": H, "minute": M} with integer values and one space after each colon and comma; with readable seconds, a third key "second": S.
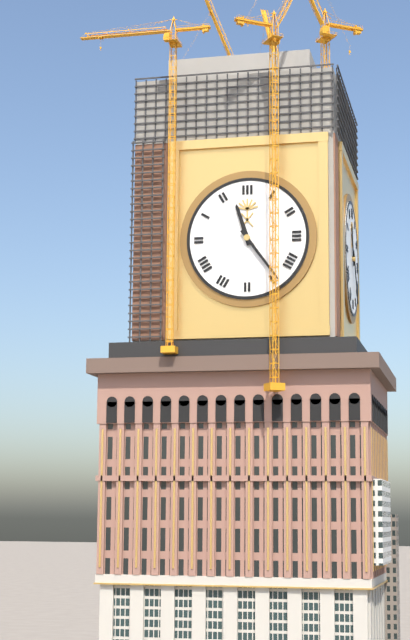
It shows {"hour": 11, "minute": 24}
